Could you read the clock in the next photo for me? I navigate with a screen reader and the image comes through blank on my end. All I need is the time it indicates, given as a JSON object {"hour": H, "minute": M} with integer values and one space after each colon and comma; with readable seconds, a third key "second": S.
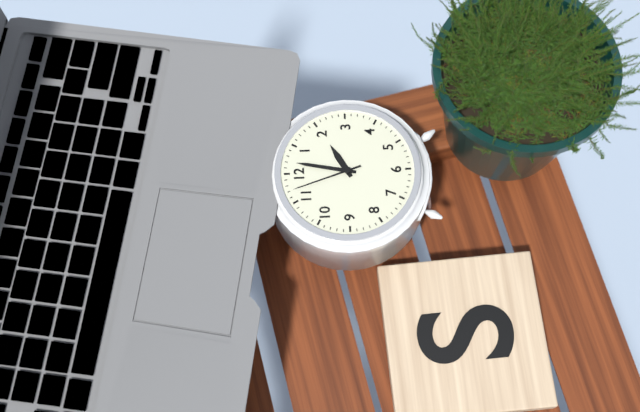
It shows {"hour": 2, "minute": 2, "second": 57}
